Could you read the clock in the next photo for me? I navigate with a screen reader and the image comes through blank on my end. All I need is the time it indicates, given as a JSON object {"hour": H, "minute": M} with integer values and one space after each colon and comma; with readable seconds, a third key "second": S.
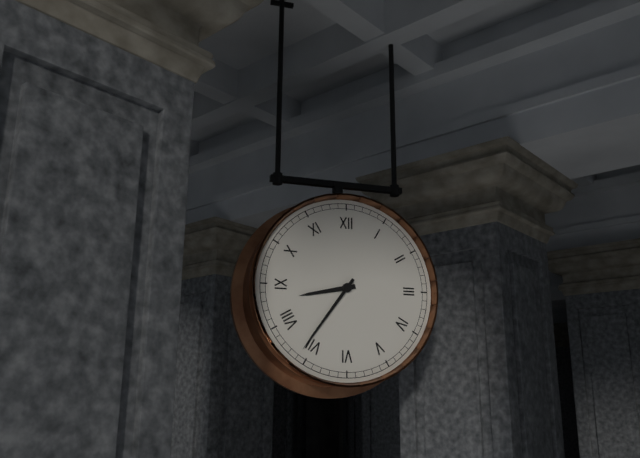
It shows {"hour": 8, "minute": 36}
